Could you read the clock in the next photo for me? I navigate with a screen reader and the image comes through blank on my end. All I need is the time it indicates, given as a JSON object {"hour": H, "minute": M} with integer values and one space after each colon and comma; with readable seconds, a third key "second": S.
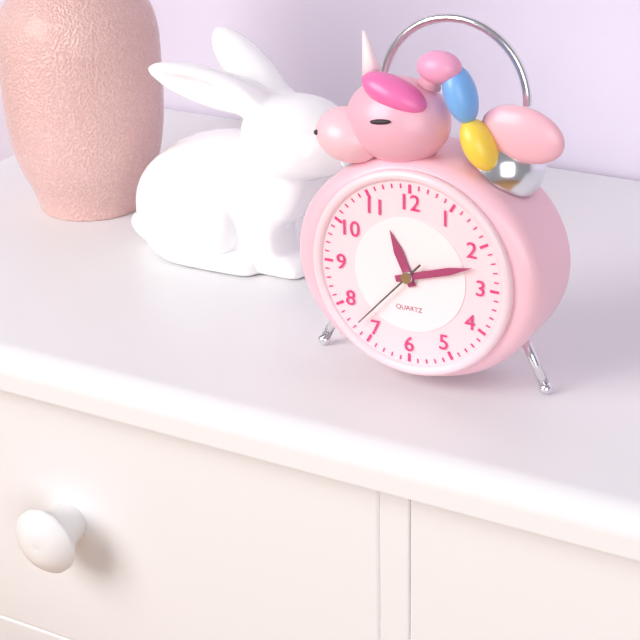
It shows {"hour": 11, "minute": 12, "second": 37}
